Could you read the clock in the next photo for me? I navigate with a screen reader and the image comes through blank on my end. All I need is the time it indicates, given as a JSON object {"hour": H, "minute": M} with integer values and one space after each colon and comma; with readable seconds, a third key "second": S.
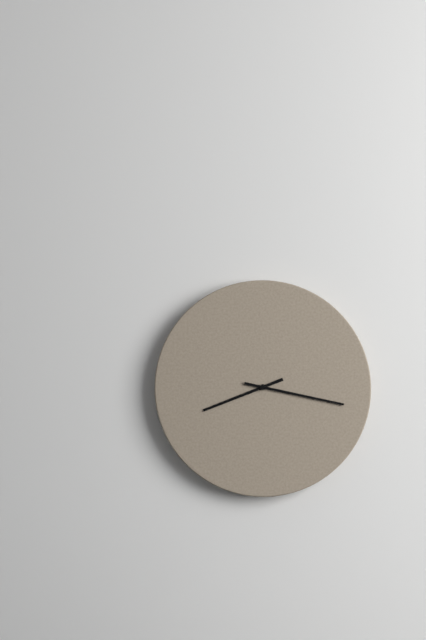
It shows {"hour": 8, "minute": 17}
